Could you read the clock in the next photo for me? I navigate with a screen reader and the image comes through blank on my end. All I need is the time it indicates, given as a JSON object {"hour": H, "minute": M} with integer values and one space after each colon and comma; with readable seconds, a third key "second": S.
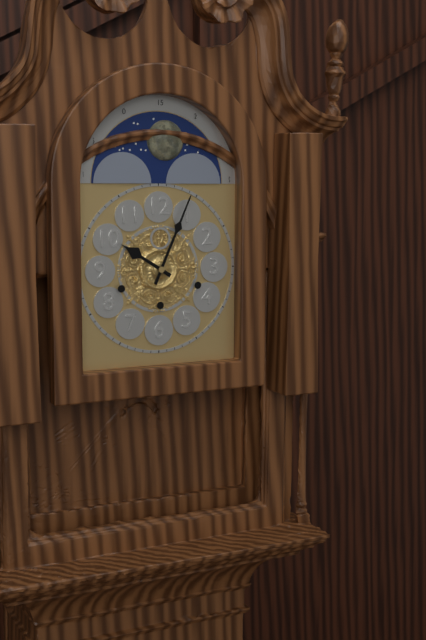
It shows {"hour": 10, "minute": 4}
